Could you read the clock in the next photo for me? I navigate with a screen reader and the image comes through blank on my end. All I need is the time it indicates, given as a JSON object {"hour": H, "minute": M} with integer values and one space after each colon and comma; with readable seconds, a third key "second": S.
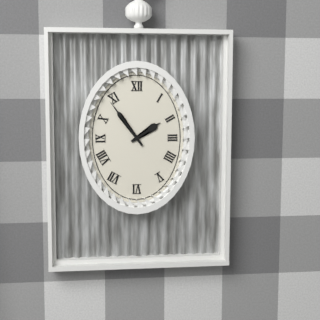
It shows {"hour": 1, "minute": 54}
